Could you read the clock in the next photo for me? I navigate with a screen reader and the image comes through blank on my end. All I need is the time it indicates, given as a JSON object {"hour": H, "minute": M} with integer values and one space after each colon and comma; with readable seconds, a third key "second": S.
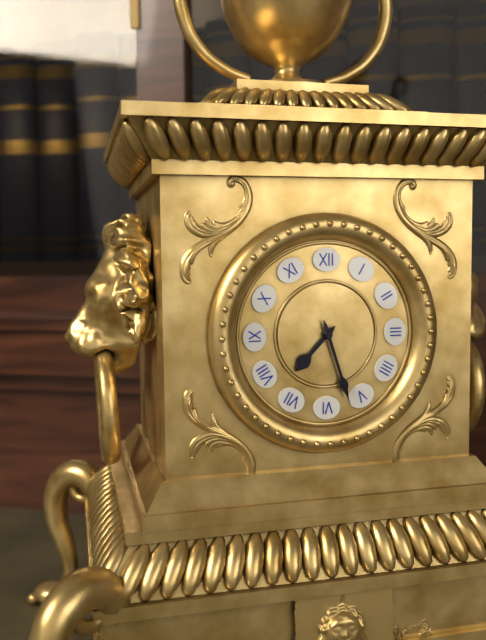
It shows {"hour": 7, "minute": 27}
